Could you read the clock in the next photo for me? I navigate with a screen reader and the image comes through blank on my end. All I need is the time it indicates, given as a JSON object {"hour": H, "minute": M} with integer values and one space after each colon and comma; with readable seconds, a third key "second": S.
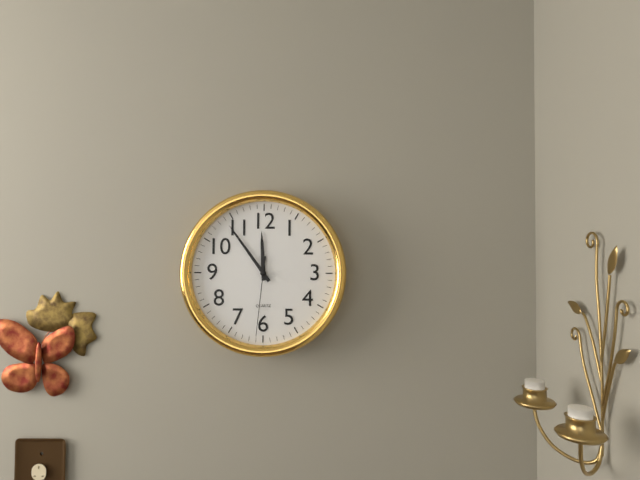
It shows {"hour": 11, "minute": 54, "second": 31}
